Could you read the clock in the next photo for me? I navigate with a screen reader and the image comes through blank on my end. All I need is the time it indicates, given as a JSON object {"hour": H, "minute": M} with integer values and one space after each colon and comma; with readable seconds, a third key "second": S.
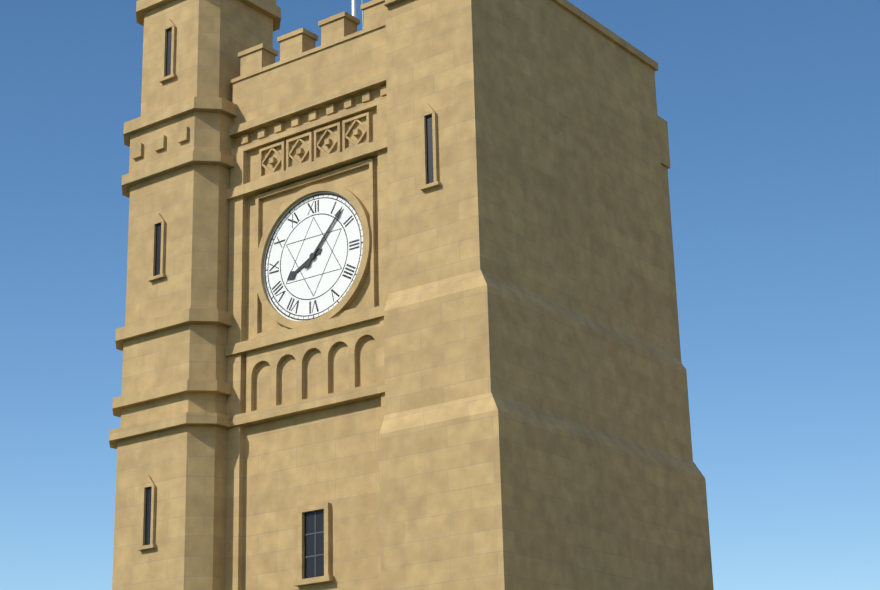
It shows {"hour": 8, "minute": 7}
